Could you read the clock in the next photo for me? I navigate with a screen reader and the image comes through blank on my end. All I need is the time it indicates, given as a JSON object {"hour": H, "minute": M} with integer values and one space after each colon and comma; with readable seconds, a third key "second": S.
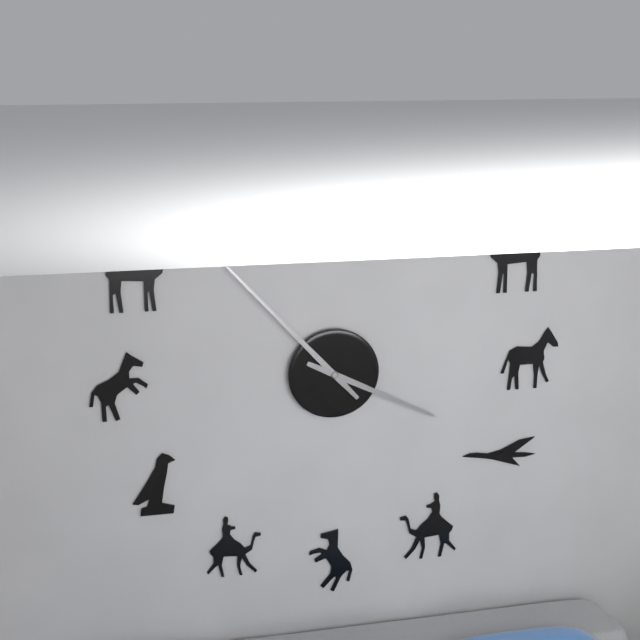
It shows {"hour": 3, "minute": 53}
